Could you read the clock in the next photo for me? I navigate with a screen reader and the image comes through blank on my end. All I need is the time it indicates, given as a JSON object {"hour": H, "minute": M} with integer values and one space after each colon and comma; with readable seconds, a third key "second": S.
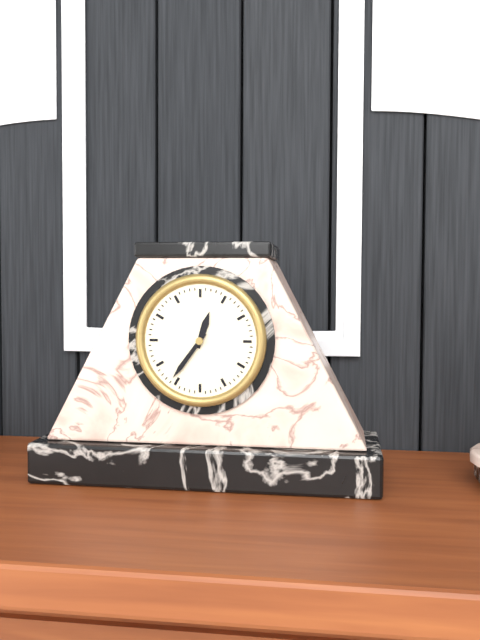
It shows {"hour": 12, "minute": 36}
